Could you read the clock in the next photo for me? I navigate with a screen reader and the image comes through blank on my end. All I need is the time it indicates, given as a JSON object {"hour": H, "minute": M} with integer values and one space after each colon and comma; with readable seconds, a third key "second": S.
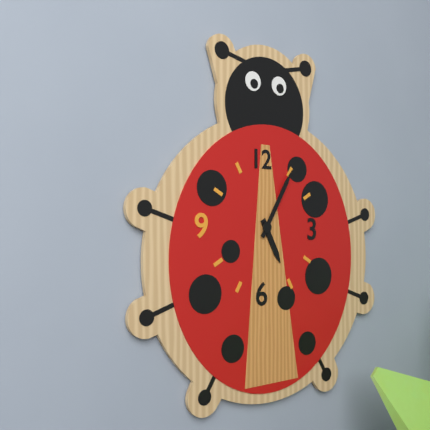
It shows {"hour": 5, "minute": 5}
